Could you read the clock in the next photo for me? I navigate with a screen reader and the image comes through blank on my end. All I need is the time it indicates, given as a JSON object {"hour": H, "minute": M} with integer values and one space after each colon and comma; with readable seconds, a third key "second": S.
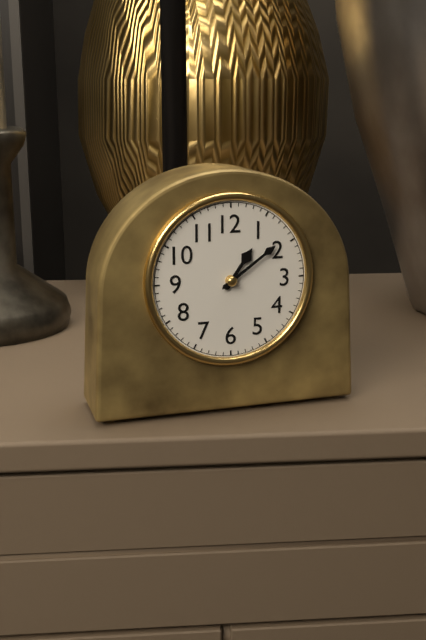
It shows {"hour": 1, "minute": 9}
